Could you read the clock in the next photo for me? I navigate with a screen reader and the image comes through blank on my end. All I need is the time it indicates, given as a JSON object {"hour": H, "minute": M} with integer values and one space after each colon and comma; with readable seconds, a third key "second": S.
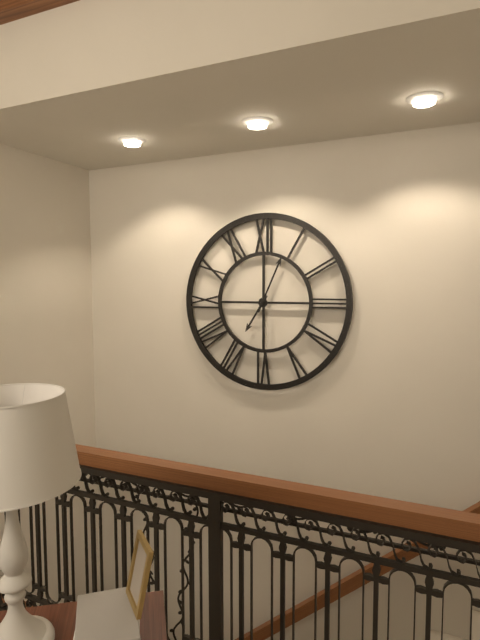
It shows {"hour": 7, "minute": 4}
